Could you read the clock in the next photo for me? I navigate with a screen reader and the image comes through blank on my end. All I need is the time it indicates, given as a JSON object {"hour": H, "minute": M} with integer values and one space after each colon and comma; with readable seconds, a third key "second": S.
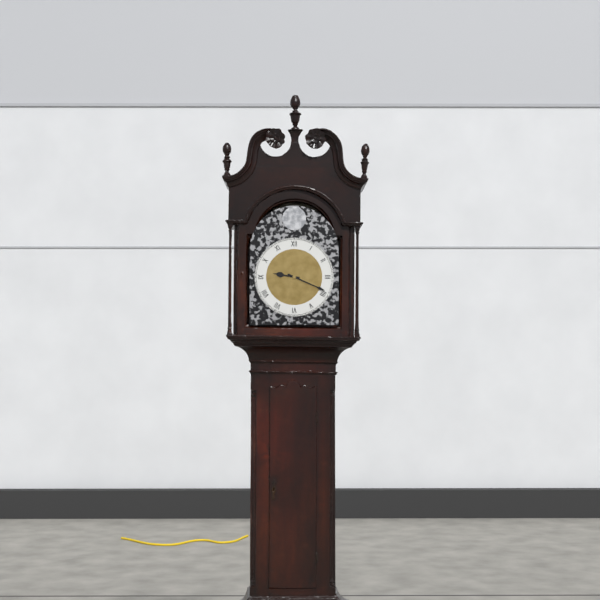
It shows {"hour": 9, "minute": 19}
